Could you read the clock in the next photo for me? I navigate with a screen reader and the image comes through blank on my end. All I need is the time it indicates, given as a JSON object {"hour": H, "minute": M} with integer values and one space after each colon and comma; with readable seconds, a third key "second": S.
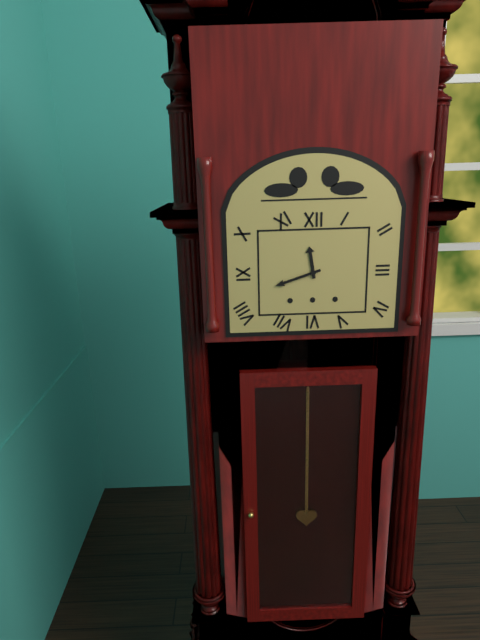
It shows {"hour": 11, "minute": 42}
